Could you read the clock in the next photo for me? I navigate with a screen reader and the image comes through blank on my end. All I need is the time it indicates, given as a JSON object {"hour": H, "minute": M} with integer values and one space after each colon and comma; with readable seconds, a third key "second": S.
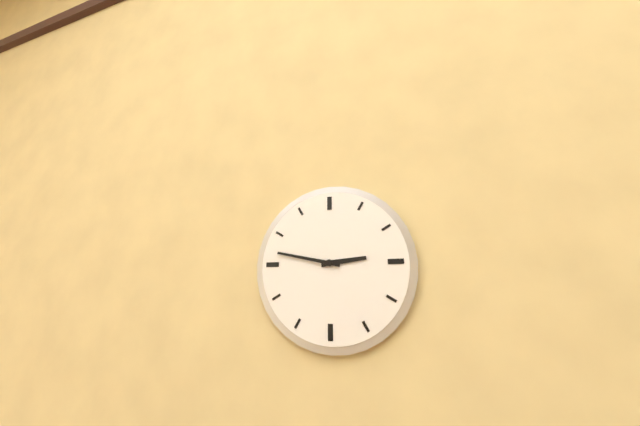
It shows {"hour": 2, "minute": 47}
